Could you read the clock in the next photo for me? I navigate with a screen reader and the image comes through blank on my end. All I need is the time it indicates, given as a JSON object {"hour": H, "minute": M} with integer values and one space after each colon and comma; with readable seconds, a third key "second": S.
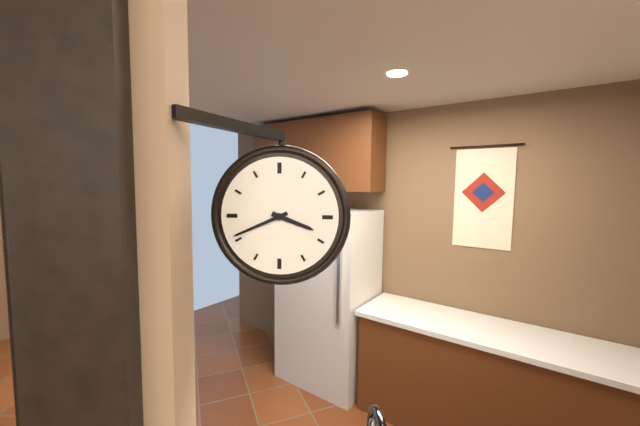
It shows {"hour": 3, "minute": 41}
